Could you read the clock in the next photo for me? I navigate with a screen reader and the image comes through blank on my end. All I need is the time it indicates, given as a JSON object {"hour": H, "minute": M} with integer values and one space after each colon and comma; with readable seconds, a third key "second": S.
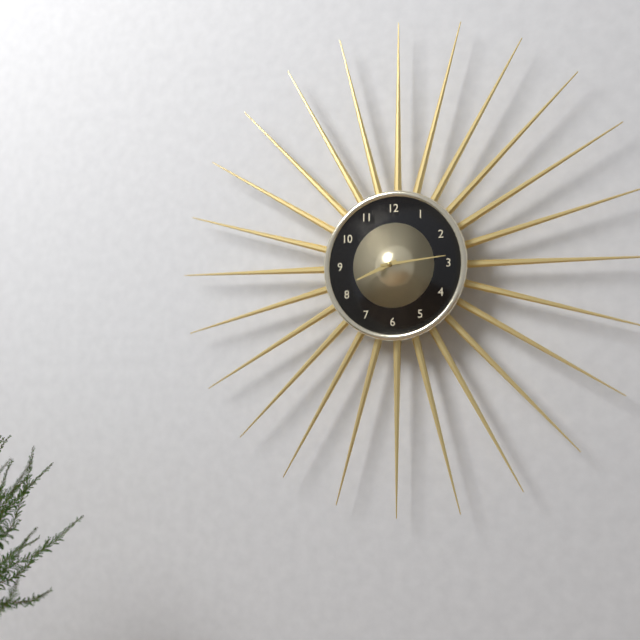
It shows {"hour": 8, "minute": 14}
